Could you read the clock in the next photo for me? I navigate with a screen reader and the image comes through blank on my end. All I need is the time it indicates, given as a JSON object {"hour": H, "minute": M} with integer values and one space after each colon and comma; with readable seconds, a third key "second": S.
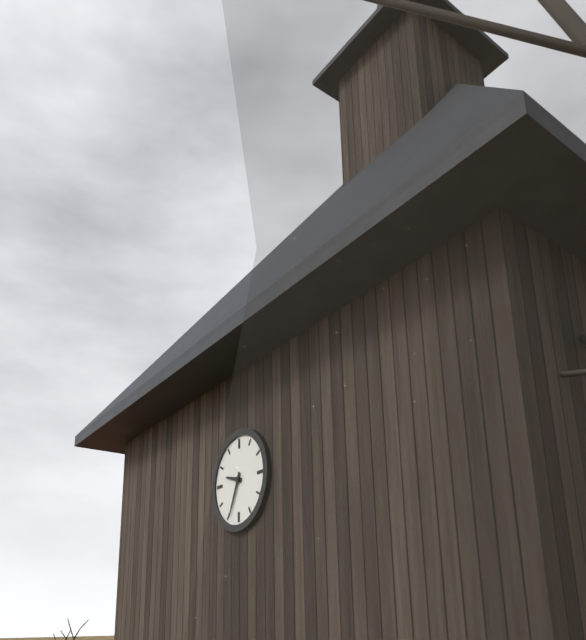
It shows {"hour": 9, "minute": 34}
